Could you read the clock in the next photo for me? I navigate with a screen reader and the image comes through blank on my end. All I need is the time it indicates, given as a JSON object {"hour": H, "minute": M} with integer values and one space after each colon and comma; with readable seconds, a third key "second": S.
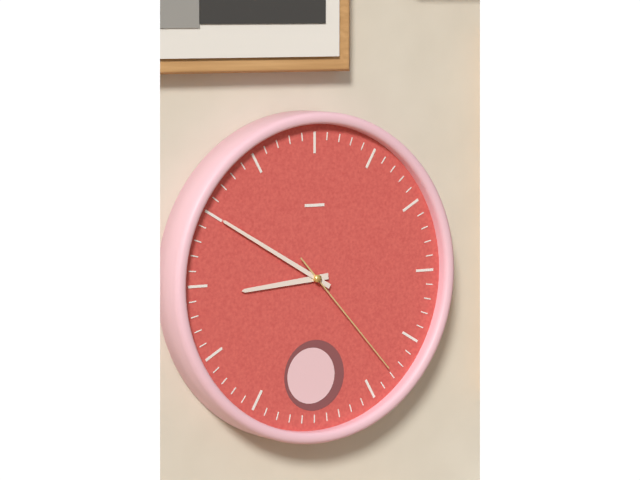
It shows {"hour": 8, "minute": 50, "second": 23}
